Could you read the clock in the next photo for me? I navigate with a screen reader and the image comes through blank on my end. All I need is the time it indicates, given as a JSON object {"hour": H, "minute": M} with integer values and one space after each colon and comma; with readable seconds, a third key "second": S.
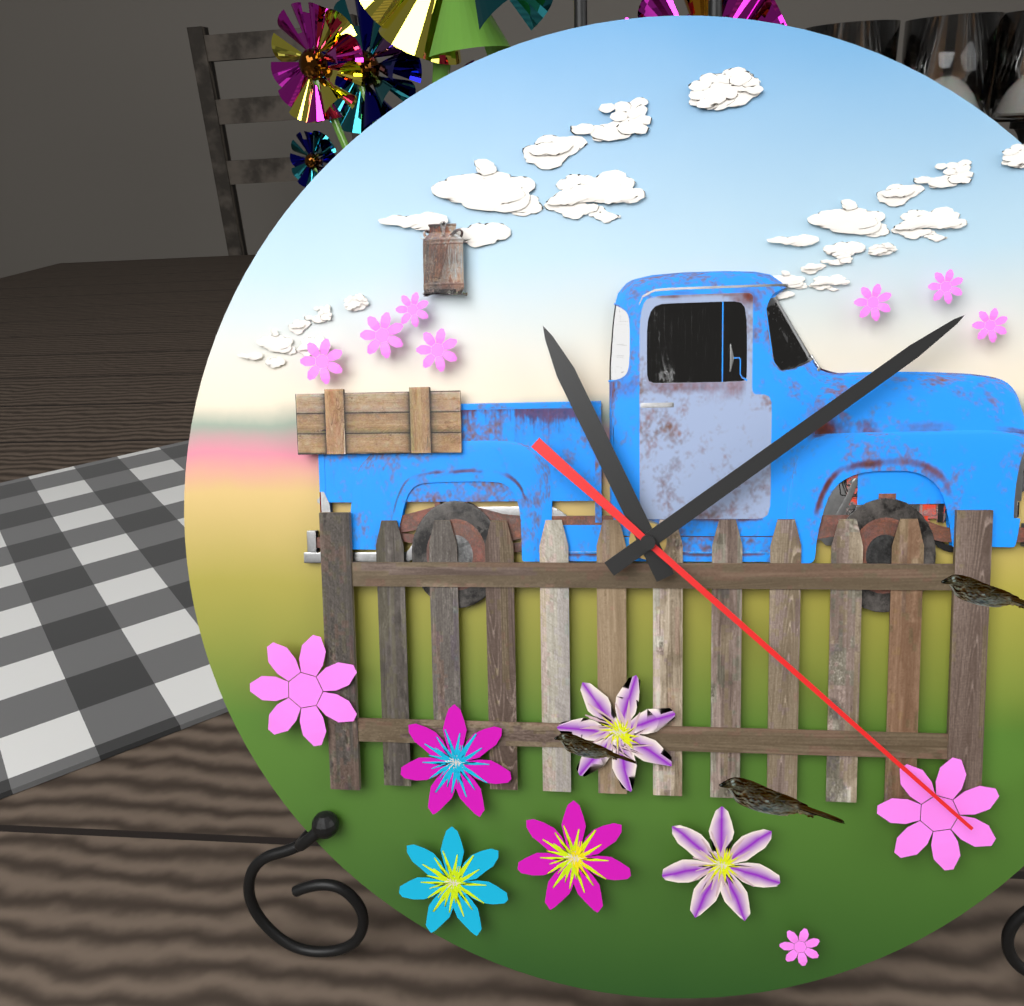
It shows {"hour": 11, "minute": 9, "second": 22}
